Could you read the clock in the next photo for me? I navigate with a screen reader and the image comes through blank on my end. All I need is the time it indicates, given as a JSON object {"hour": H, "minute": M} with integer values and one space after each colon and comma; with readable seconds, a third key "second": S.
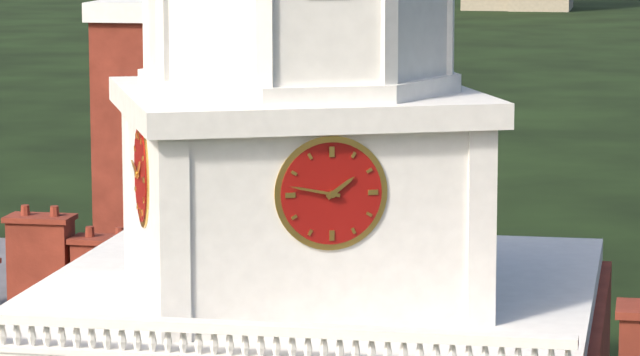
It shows {"hour": 1, "minute": 47}
